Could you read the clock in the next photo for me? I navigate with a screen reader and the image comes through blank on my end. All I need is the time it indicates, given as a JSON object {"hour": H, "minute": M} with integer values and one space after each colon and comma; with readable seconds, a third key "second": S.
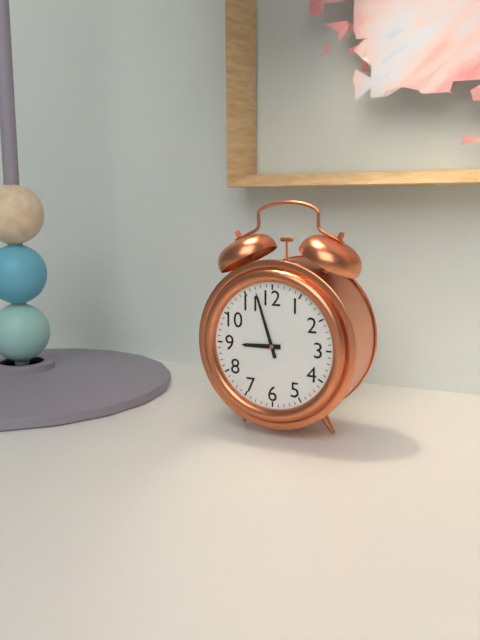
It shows {"hour": 8, "minute": 57}
